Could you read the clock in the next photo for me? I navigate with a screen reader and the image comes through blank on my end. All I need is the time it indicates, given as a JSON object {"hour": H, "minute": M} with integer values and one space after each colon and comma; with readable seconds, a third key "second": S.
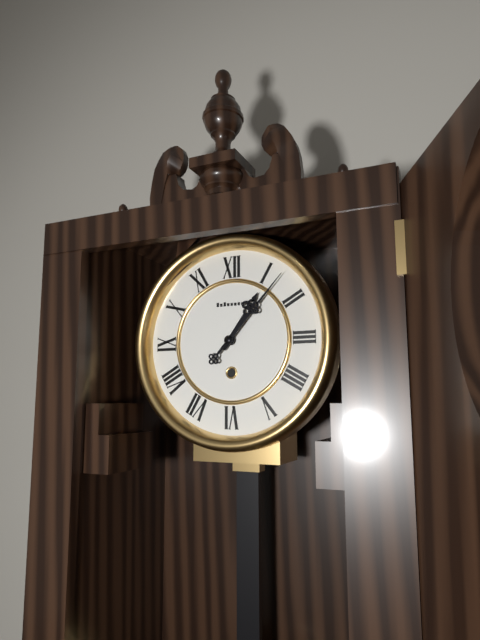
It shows {"hour": 1, "minute": 7}
